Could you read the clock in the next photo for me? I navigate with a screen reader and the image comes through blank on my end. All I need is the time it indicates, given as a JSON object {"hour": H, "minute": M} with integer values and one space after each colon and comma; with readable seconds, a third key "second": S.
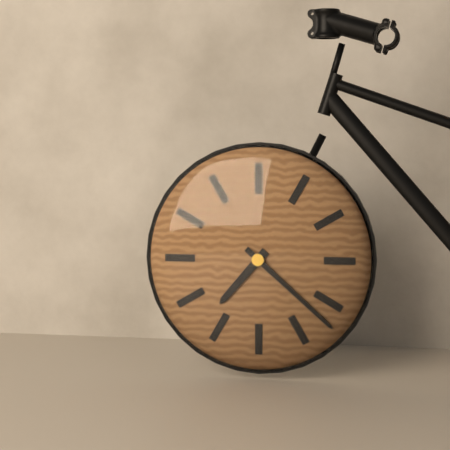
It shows {"hour": 7, "minute": 22}
